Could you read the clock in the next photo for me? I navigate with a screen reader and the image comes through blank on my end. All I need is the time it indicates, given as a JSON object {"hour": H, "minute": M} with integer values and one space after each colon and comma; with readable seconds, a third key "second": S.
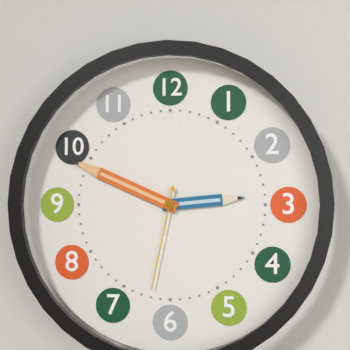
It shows {"hour": 2, "minute": 49, "second": 32}
